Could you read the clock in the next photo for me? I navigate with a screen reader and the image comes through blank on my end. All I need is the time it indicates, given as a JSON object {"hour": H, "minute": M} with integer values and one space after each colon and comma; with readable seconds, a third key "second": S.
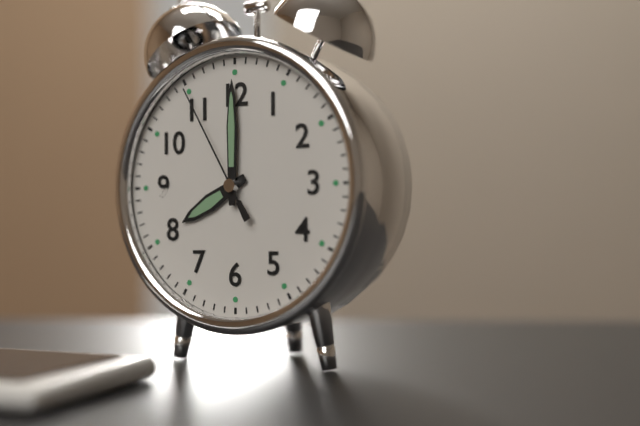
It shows {"hour": 8, "minute": 0, "second": 55}
